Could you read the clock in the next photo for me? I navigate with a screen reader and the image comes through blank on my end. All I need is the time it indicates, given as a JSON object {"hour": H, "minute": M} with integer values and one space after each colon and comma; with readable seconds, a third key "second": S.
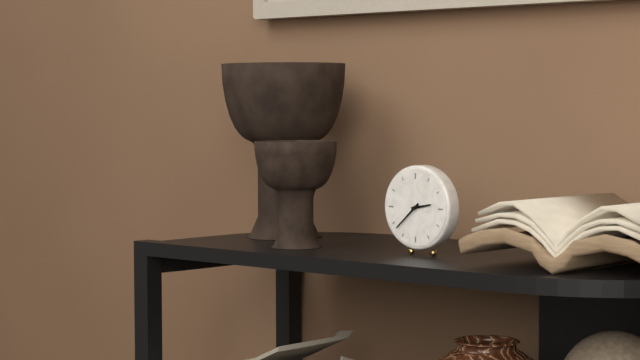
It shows {"hour": 2, "minute": 38}
